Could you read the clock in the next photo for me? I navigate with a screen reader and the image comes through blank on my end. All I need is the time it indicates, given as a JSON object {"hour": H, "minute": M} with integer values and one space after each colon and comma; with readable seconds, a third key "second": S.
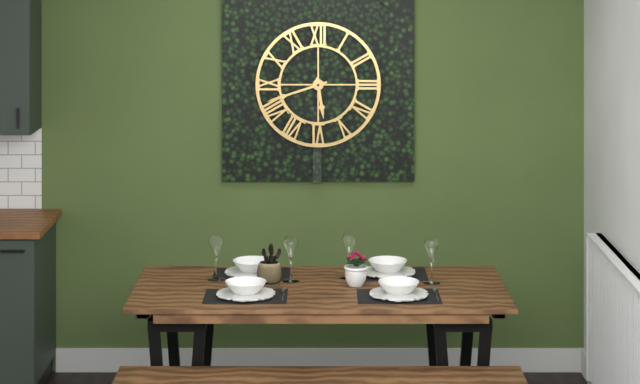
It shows {"hour": 5, "minute": 42}
